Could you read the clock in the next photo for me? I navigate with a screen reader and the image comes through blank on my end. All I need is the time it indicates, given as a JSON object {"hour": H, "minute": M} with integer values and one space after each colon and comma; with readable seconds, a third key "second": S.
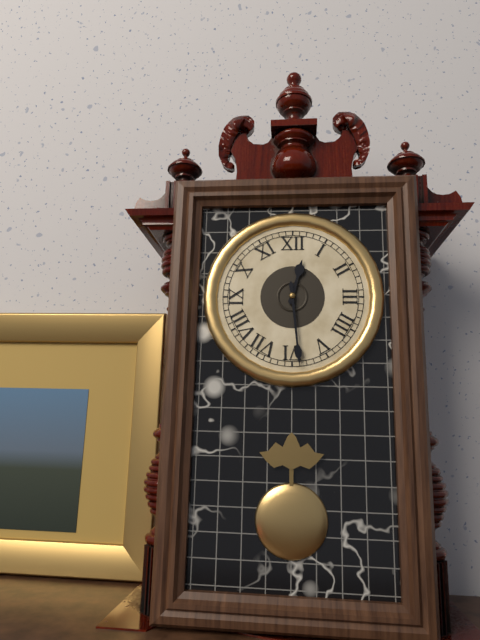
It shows {"hour": 12, "minute": 29}
